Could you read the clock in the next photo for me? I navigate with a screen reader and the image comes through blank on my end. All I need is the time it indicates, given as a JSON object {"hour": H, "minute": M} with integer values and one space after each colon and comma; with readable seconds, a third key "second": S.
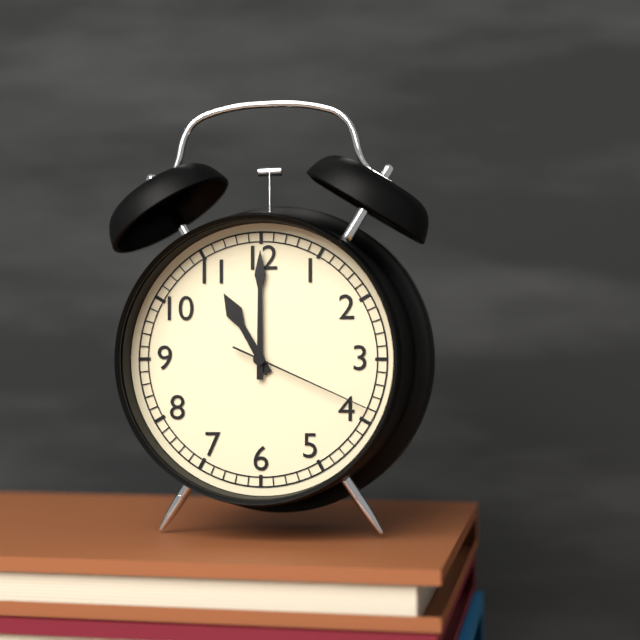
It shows {"hour": 11, "minute": 0, "second": 19}
